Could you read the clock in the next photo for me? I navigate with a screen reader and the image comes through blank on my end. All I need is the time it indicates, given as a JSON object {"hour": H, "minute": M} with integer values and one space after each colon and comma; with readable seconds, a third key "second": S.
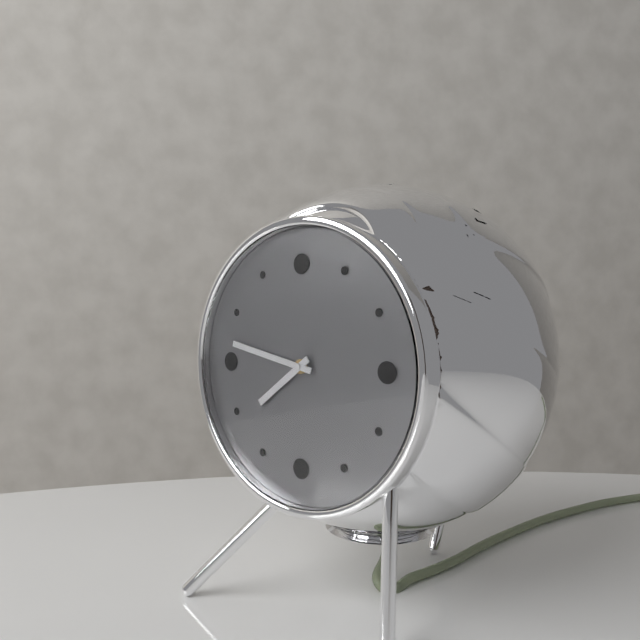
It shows {"hour": 7, "minute": 47}
